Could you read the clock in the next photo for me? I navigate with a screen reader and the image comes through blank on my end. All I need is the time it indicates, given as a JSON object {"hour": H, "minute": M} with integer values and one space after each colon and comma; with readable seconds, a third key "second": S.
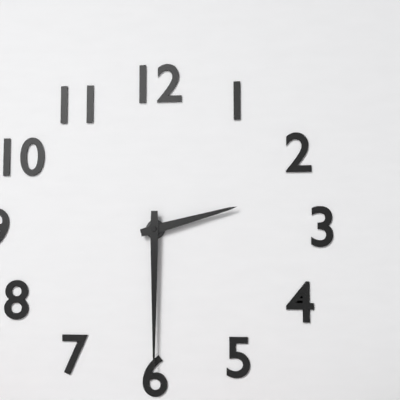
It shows {"hour": 2, "minute": 30}
